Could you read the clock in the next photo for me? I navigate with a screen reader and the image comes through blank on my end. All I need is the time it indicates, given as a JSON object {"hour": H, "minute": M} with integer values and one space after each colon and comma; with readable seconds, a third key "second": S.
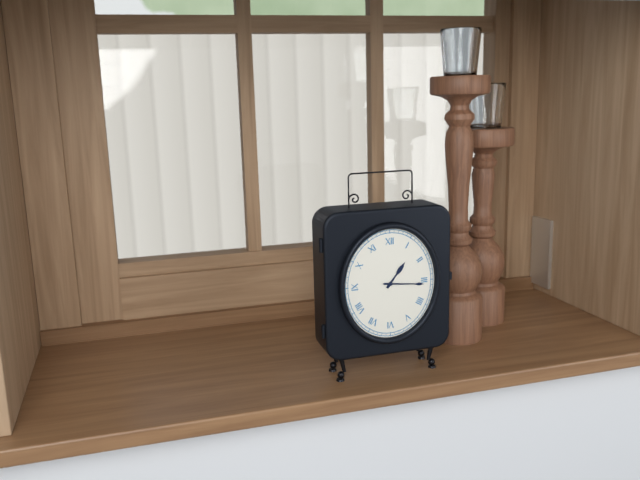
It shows {"hour": 1, "minute": 16}
